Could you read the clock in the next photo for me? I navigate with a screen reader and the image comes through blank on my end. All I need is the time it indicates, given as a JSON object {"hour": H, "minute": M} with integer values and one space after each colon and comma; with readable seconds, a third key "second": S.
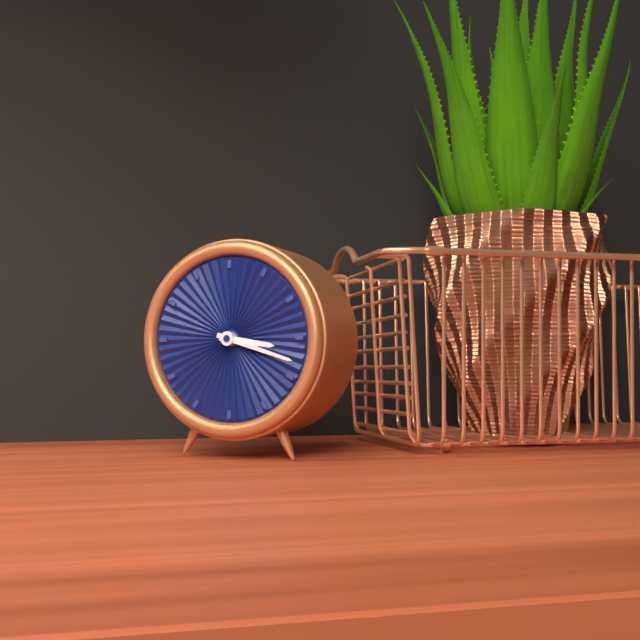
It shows {"hour": 3, "minute": 18}
